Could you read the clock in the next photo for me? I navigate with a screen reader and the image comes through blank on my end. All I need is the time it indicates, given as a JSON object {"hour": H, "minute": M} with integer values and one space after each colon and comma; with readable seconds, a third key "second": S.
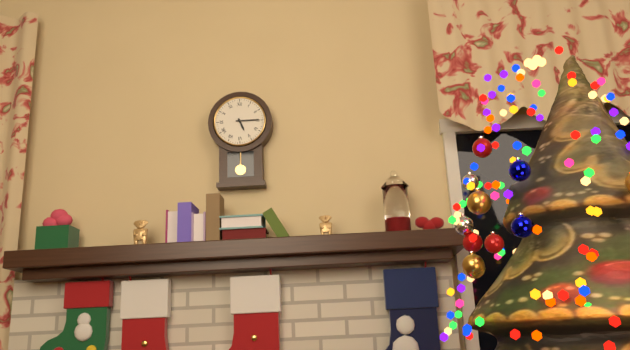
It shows {"hour": 5, "minute": 15}
